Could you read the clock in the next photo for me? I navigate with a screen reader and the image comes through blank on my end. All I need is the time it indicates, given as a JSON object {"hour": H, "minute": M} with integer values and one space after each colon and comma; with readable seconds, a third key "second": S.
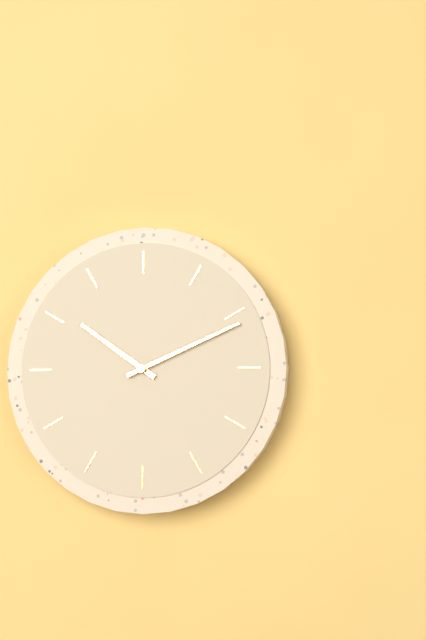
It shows {"hour": 10, "minute": 11}
